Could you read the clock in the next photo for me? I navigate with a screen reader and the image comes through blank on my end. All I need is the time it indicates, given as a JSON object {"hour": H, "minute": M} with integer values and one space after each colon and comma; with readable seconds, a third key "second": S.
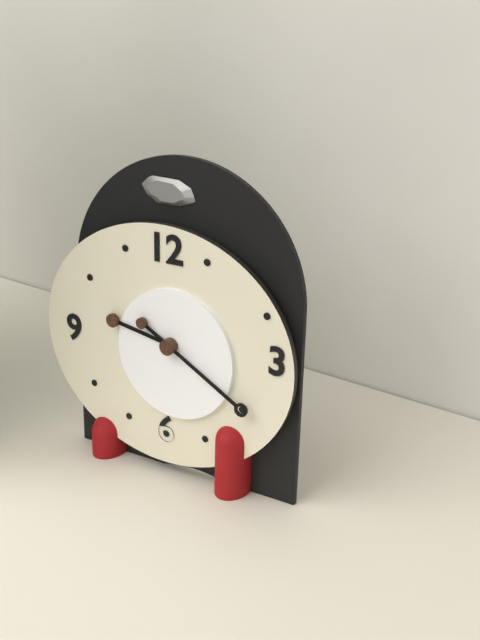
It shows {"hour": 9, "minute": 20}
